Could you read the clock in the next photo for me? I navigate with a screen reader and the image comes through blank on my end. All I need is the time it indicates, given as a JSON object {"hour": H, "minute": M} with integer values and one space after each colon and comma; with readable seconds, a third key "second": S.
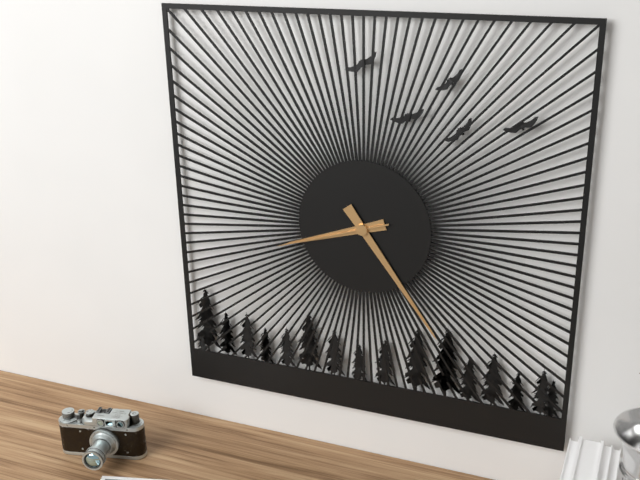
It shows {"hour": 8, "minute": 24, "second": 42}
